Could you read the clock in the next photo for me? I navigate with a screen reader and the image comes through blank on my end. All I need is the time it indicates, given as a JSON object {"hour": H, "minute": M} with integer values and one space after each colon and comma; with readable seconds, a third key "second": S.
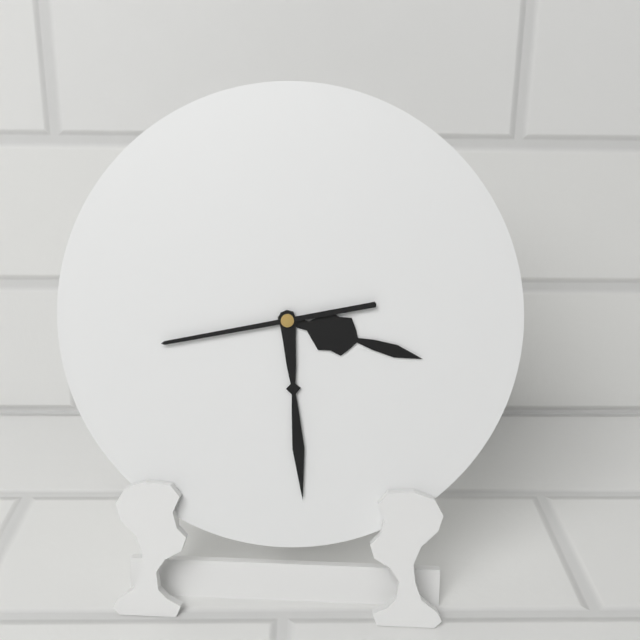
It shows {"hour": 3, "minute": 29, "second": 43}
